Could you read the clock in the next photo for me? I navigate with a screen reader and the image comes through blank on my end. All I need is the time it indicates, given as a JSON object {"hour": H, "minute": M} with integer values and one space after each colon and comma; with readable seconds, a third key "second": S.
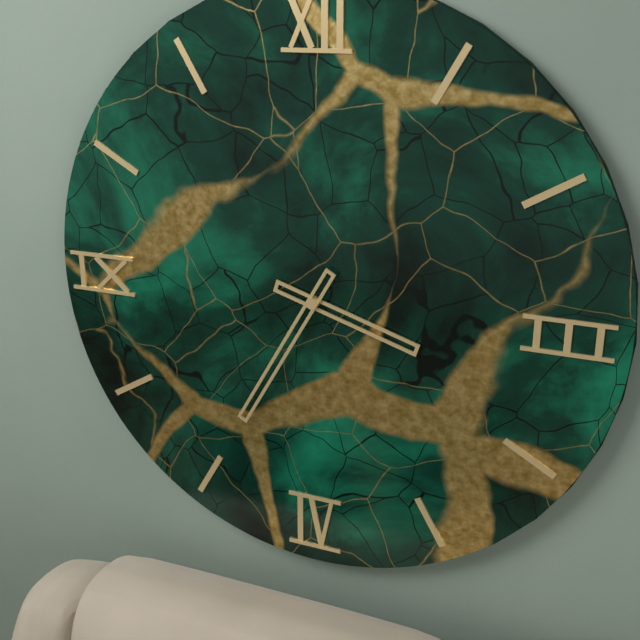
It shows {"hour": 3, "minute": 35}
